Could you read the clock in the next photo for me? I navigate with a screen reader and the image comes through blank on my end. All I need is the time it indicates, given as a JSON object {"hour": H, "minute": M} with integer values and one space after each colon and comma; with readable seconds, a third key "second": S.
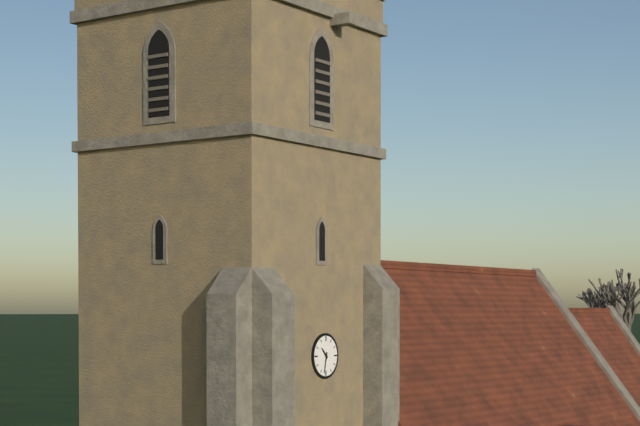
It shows {"hour": 10, "minute": 32}
